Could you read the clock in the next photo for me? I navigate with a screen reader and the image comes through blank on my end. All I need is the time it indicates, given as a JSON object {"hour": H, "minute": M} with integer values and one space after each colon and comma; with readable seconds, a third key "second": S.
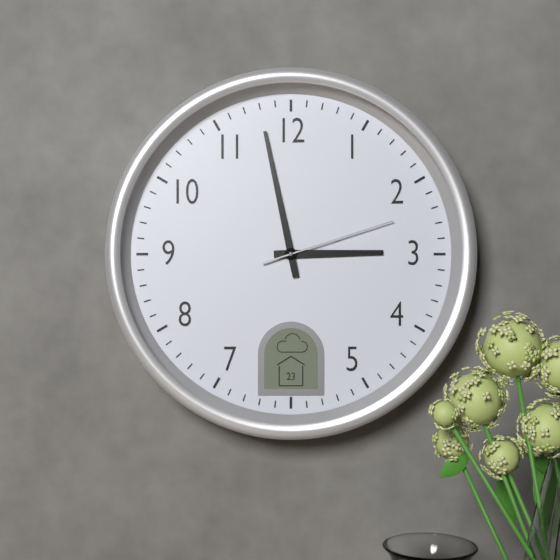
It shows {"hour": 2, "minute": 58, "second": 12}
